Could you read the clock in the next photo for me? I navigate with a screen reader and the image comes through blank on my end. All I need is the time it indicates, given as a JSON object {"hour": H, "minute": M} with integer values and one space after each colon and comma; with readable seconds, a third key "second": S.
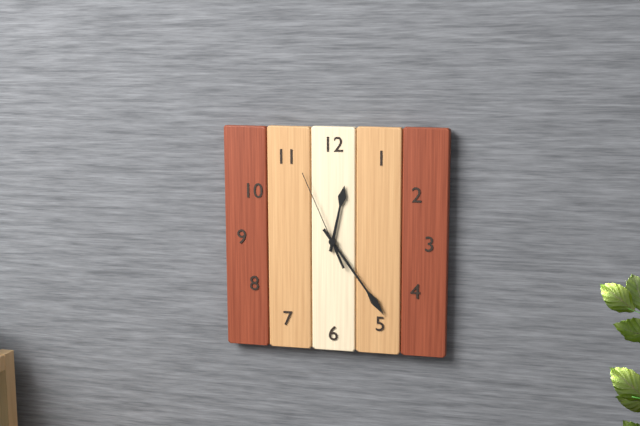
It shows {"hour": 12, "minute": 24, "second": 56}
